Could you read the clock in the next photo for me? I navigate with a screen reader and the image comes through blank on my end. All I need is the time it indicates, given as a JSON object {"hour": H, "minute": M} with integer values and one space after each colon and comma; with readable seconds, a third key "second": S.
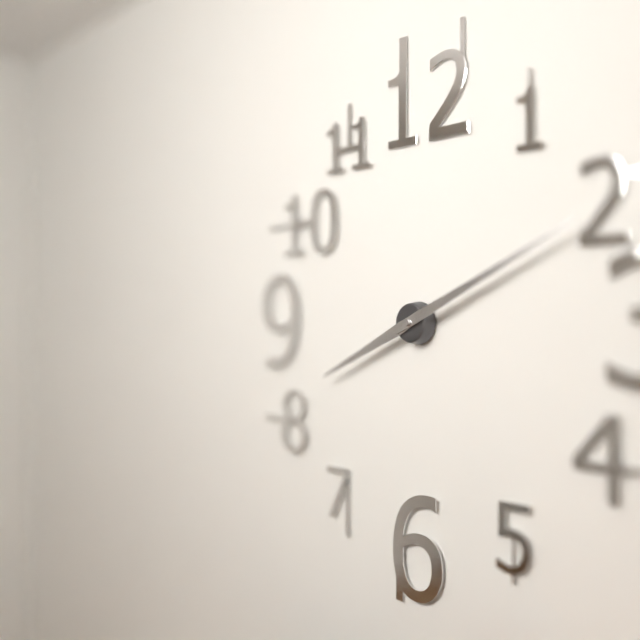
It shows {"hour": 8, "minute": 11}
